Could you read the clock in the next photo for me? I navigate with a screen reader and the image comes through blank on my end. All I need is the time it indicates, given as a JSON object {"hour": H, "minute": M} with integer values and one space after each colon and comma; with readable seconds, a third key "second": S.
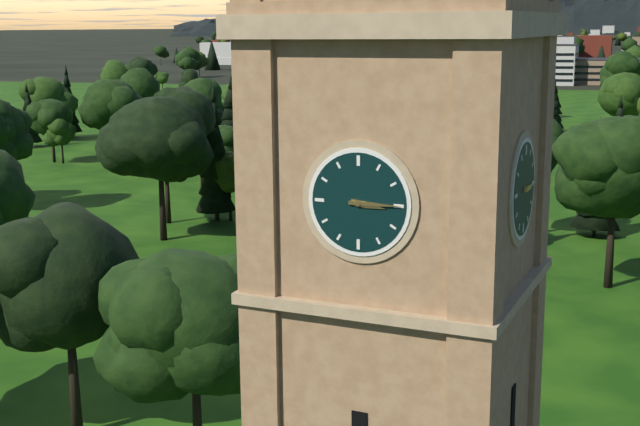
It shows {"hour": 3, "minute": 15}
